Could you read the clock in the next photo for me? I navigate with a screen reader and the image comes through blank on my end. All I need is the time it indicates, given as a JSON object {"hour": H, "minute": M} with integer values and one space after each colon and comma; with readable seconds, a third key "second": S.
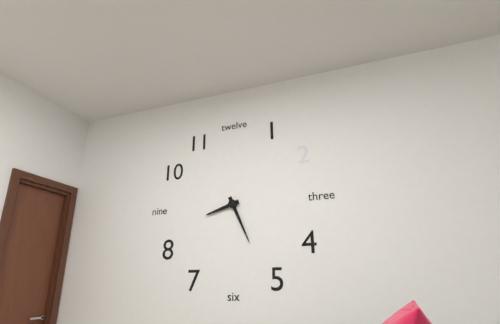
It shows {"hour": 8, "minute": 26}
